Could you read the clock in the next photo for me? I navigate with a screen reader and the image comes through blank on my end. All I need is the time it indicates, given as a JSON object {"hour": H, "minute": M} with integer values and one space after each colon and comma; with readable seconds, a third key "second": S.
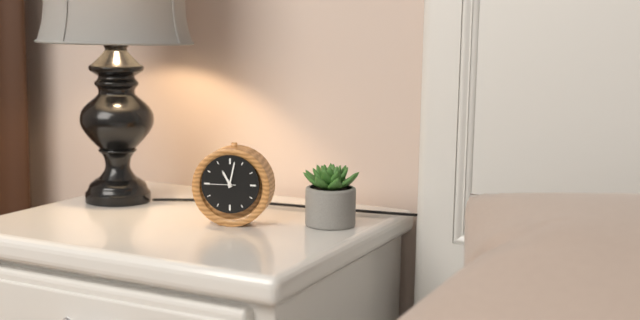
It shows {"hour": 11, "minute": 2}
